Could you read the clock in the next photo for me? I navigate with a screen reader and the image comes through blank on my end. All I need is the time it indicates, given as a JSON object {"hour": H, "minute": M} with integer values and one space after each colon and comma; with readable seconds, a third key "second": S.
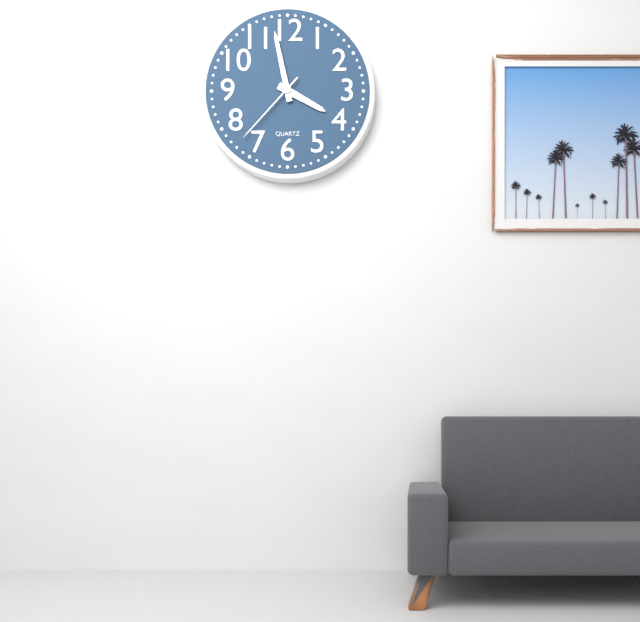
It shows {"hour": 3, "minute": 58, "second": 37}
